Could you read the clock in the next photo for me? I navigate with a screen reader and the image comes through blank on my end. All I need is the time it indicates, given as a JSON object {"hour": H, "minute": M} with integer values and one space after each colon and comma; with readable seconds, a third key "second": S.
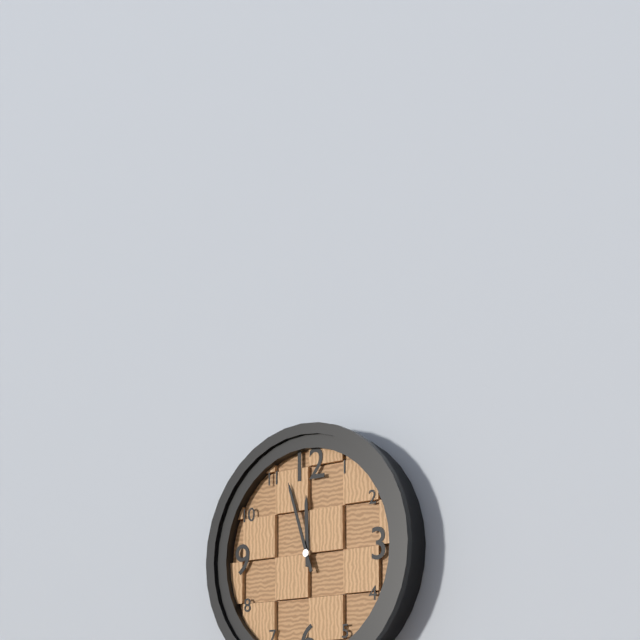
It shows {"hour": 11, "minute": 57}
